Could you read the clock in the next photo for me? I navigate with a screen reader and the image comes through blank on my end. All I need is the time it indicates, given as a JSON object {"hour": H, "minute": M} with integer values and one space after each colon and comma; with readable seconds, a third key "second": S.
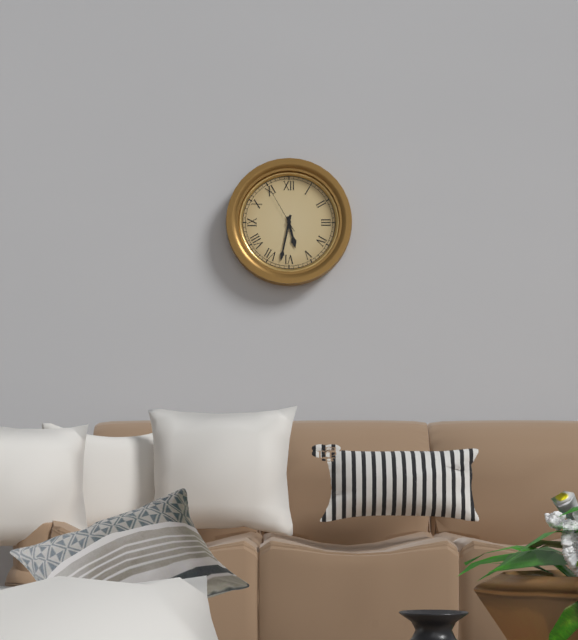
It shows {"hour": 5, "minute": 32, "second": 55}
